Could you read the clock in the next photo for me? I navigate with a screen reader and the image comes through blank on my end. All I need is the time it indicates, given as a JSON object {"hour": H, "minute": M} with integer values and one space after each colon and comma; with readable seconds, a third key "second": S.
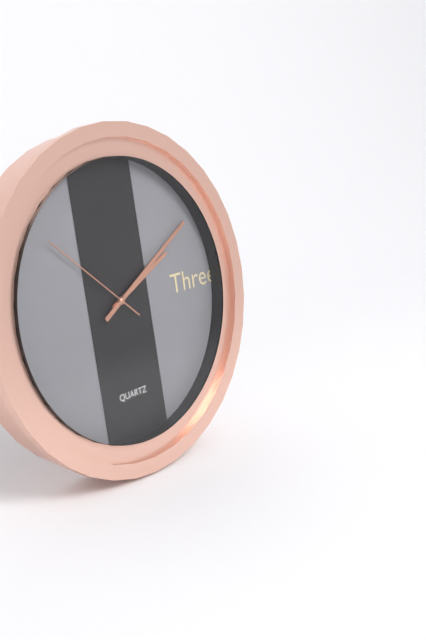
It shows {"hour": 2, "minute": 10, "second": 52}
